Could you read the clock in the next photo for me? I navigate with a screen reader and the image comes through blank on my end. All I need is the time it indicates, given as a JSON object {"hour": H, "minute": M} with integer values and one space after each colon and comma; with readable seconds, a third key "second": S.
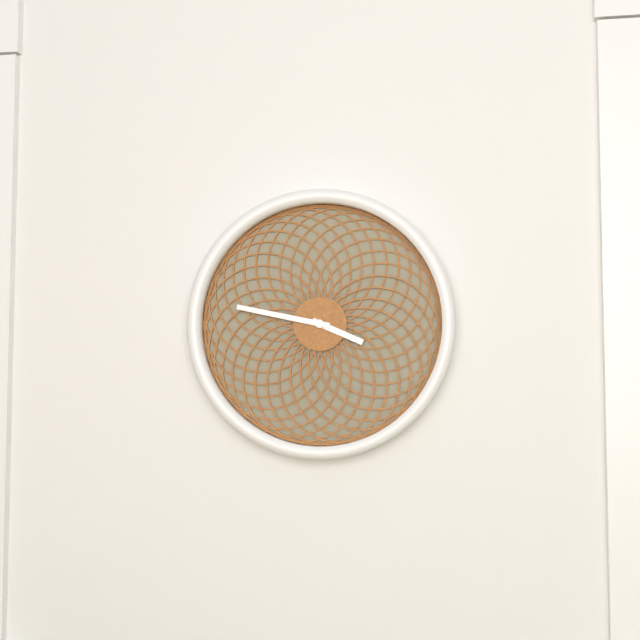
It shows {"hour": 3, "minute": 47}
